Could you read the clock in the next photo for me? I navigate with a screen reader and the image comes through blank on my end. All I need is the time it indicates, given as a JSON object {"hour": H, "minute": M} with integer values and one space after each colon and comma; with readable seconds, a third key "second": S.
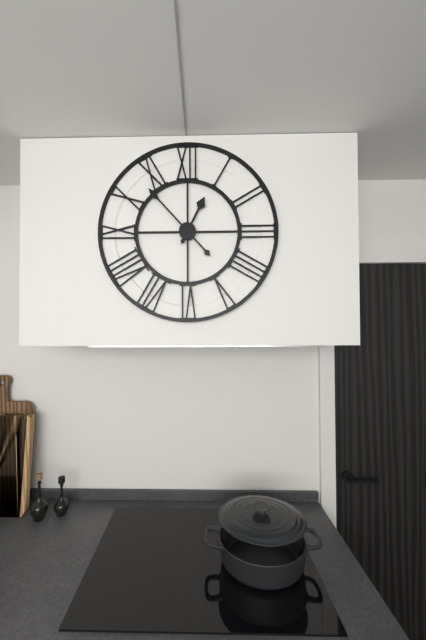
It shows {"hour": 12, "minute": 53}
